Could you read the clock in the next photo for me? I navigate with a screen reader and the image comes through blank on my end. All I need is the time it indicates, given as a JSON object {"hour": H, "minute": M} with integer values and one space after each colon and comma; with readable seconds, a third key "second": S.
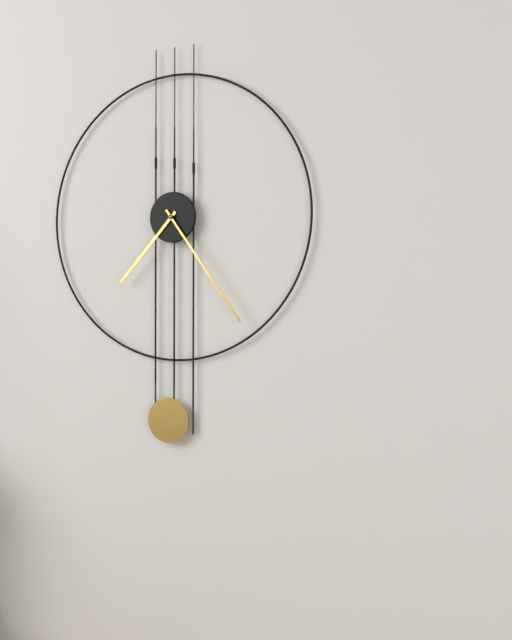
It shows {"hour": 7, "minute": 24}
